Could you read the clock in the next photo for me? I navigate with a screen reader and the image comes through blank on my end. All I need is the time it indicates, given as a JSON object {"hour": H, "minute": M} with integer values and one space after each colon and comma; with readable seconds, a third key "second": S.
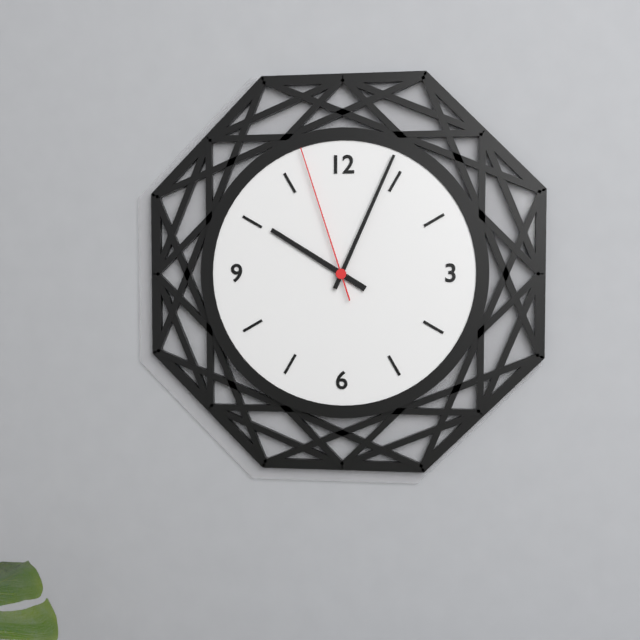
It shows {"hour": 10, "minute": 4, "second": 57}
